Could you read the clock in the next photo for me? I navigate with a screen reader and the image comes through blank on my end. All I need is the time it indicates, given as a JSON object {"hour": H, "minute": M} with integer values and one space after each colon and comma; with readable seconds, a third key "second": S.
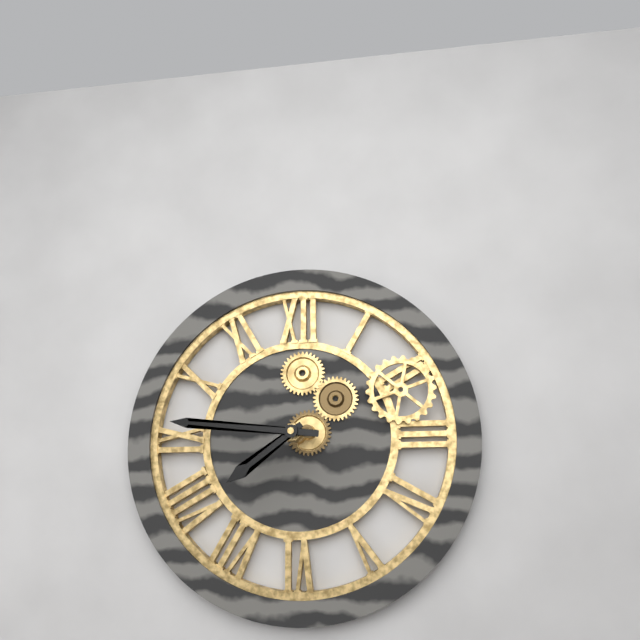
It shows {"hour": 7, "minute": 46}
